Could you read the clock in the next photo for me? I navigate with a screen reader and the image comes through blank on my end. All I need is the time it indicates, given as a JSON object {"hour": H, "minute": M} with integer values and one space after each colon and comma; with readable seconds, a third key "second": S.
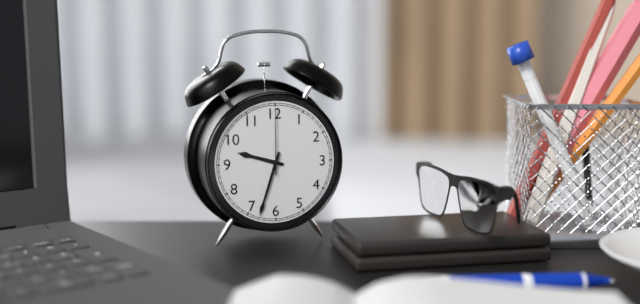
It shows {"hour": 9, "minute": 33, "second": 0}
